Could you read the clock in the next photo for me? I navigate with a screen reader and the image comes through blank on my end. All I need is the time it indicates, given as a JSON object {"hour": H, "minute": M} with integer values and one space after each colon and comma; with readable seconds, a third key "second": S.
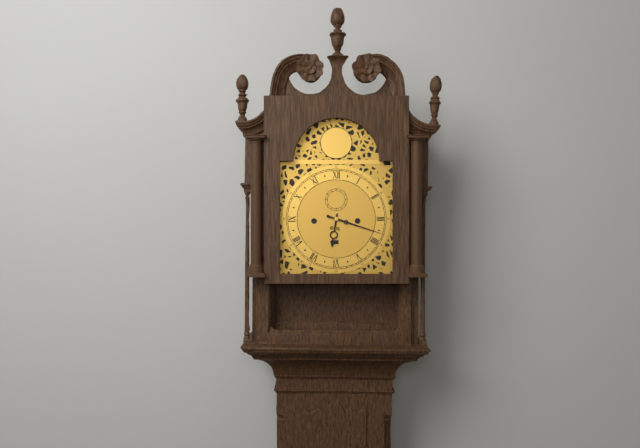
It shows {"hour": 6, "minute": 18}
